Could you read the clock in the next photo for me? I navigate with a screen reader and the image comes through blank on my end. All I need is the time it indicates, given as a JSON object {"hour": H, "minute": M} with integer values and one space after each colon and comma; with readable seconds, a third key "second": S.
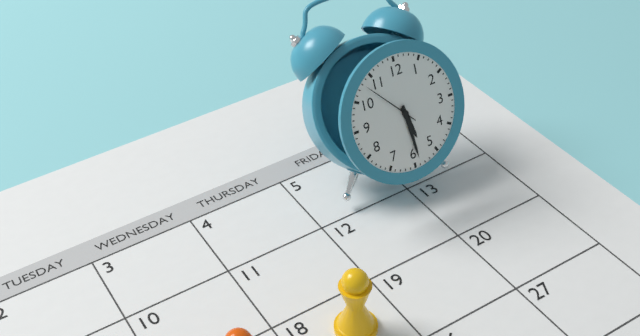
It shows {"hour": 5, "minute": 29}
